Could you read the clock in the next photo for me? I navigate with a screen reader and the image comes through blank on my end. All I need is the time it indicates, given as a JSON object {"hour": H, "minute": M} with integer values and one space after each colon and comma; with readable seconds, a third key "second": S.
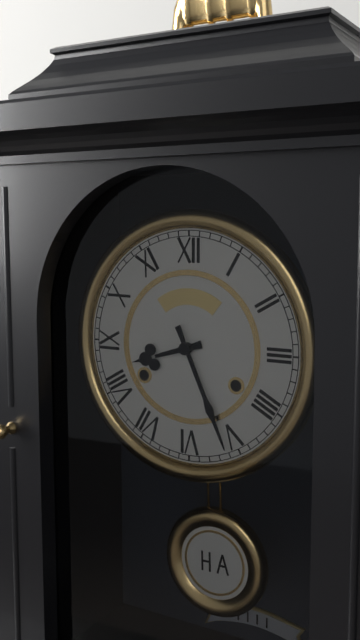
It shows {"hour": 8, "minute": 26}
